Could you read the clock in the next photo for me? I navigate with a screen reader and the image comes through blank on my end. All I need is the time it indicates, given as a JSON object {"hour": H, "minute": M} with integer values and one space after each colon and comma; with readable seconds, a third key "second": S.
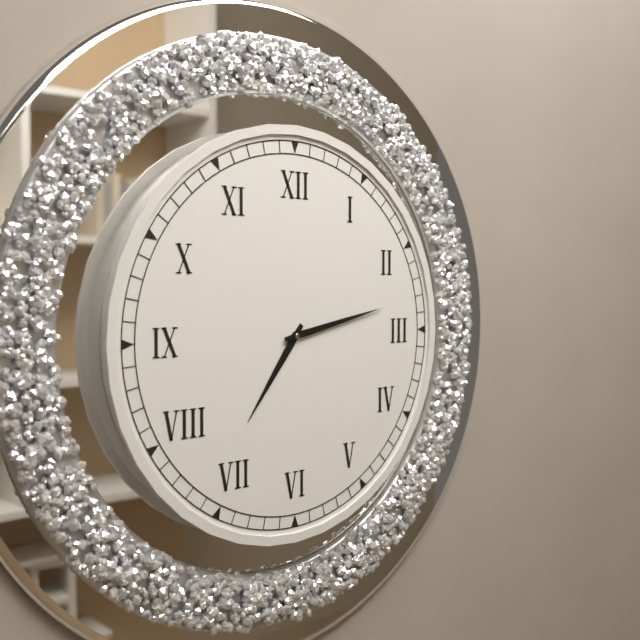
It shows {"hour": 7, "minute": 13}
